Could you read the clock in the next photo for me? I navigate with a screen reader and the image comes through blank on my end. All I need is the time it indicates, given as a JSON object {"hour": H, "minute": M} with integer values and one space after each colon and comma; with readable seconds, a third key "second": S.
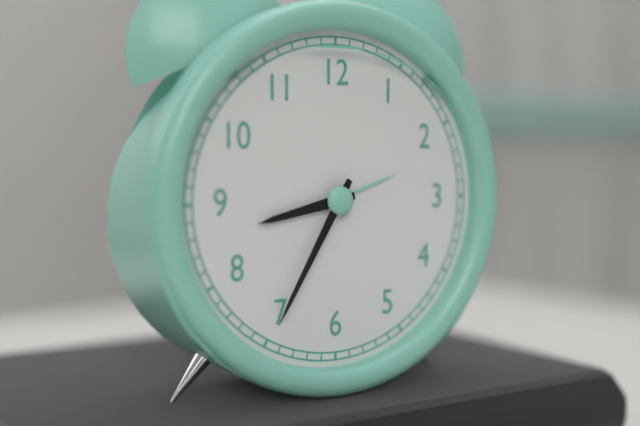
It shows {"hour": 8, "minute": 35}
